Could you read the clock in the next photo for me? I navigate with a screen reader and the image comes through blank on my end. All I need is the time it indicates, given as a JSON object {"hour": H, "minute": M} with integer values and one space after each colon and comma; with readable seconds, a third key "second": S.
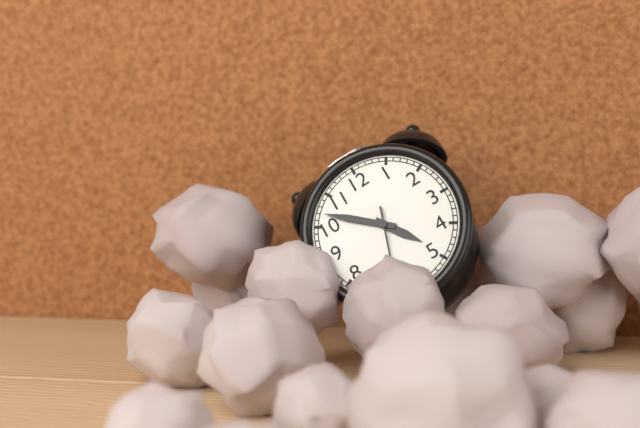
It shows {"hour": 4, "minute": 52}
